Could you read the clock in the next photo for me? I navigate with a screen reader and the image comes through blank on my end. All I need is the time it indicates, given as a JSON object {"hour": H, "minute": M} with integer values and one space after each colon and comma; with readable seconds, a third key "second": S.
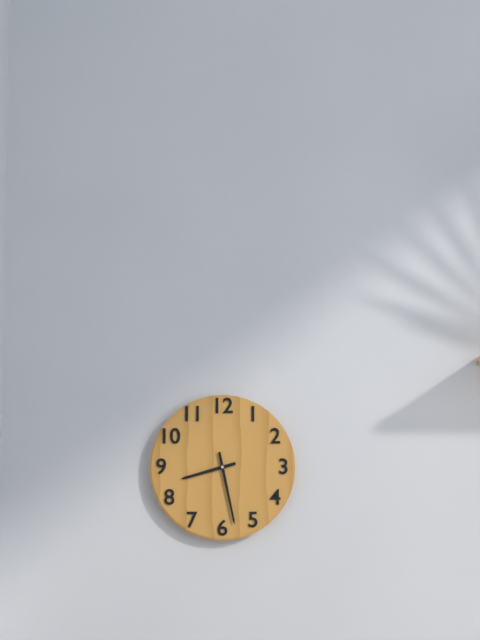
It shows {"hour": 8, "minute": 28}
